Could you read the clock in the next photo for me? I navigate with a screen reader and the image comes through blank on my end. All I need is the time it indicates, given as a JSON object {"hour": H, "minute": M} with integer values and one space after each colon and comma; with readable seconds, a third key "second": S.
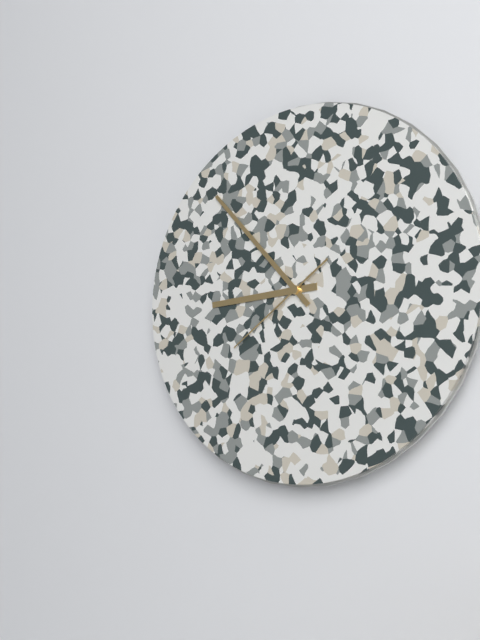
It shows {"hour": 8, "minute": 53, "second": 39}
